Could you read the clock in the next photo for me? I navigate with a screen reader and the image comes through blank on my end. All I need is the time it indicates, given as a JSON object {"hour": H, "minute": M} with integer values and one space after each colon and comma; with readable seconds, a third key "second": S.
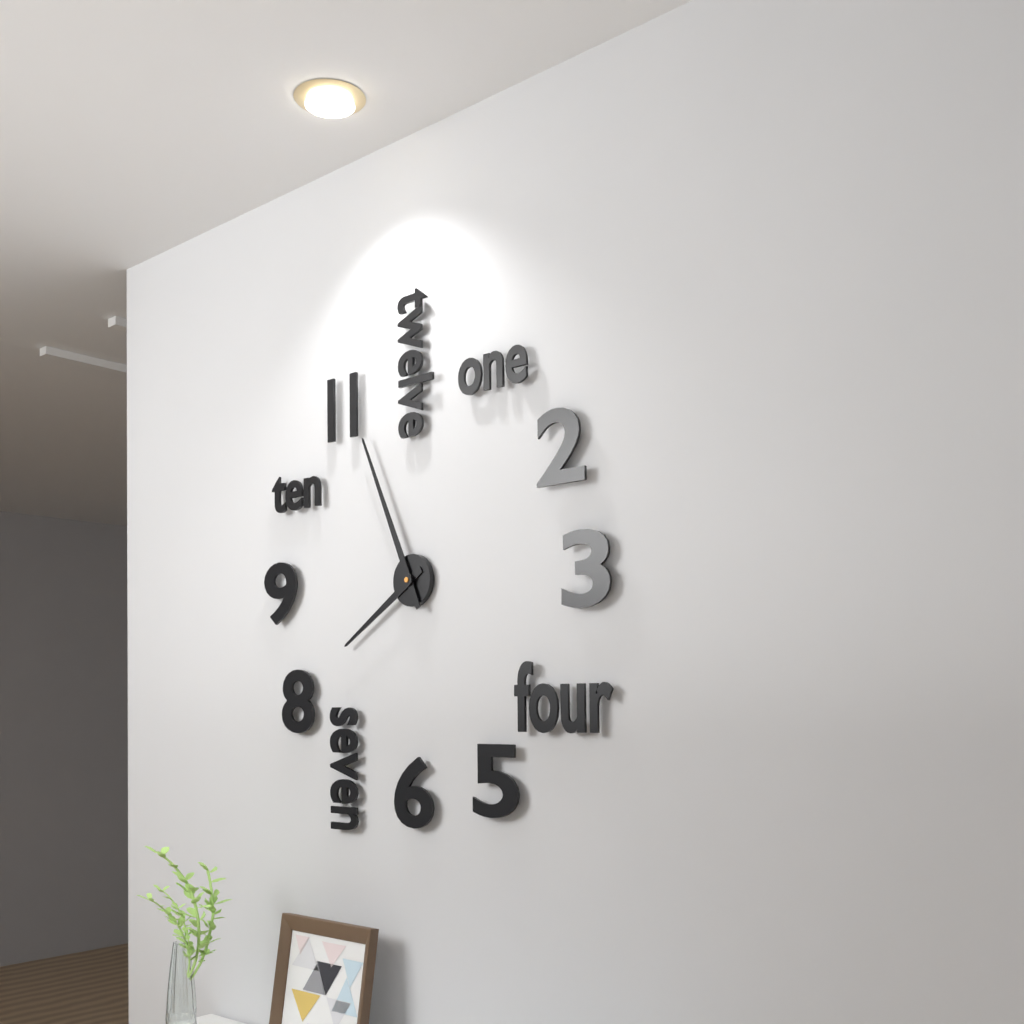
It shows {"hour": 7, "minute": 56}
